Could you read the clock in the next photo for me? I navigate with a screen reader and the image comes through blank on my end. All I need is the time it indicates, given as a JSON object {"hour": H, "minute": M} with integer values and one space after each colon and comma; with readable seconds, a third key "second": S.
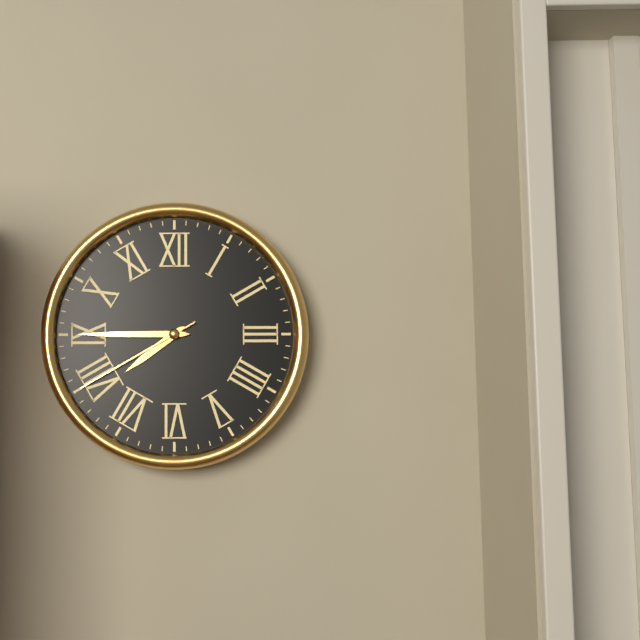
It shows {"hour": 7, "minute": 45, "second": 40}
